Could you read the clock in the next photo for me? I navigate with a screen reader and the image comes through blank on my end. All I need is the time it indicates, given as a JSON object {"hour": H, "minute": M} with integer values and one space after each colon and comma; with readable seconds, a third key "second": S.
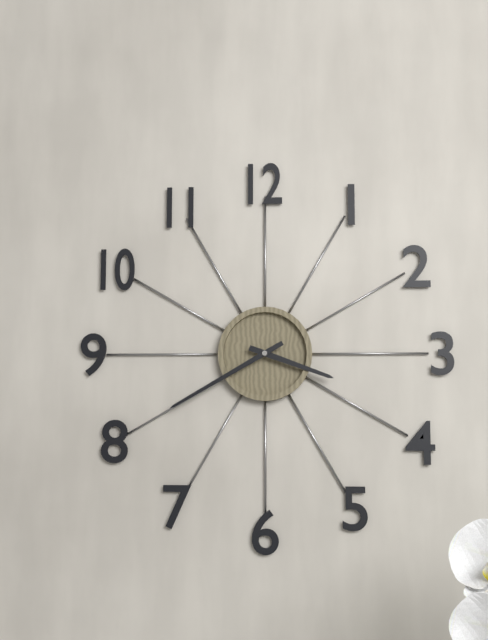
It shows {"hour": 3, "minute": 40}
